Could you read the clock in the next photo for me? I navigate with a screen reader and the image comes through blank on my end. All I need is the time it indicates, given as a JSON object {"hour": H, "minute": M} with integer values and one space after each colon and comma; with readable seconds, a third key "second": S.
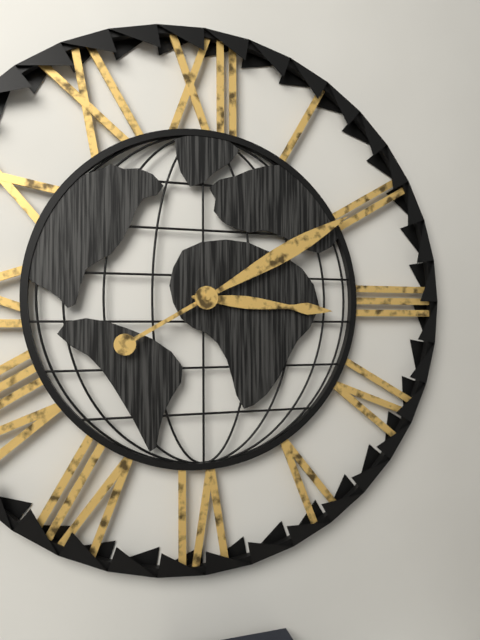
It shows {"hour": 3, "minute": 10}
